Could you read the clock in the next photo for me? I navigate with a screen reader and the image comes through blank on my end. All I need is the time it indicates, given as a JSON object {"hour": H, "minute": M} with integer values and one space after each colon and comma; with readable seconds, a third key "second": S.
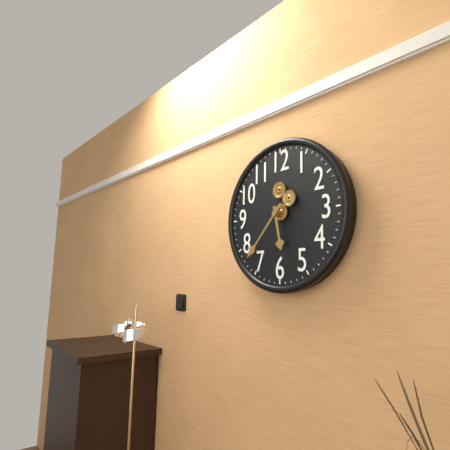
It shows {"hour": 5, "minute": 37}
